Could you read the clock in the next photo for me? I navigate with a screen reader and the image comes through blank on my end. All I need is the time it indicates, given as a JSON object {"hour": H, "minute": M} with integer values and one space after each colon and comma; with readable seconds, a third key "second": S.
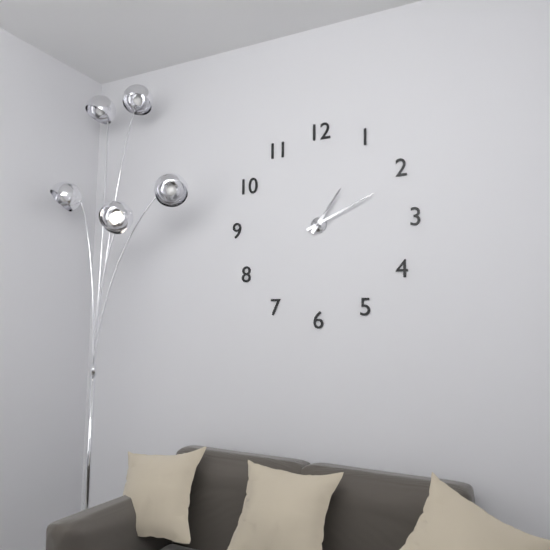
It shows {"hour": 1, "minute": 11}
